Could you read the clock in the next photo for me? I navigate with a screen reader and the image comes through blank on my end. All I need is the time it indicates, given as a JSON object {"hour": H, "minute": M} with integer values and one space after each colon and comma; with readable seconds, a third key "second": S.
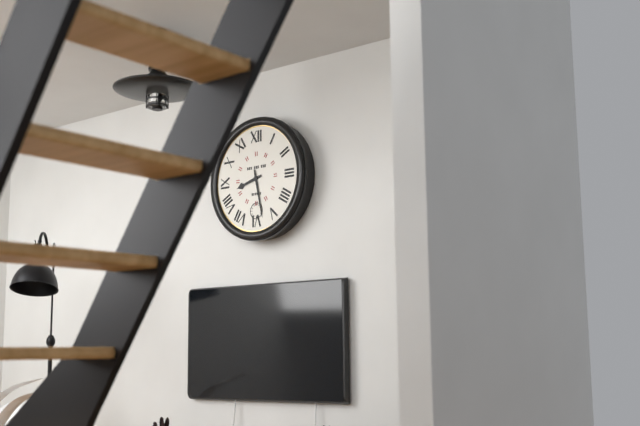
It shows {"hour": 8, "minute": 28}
